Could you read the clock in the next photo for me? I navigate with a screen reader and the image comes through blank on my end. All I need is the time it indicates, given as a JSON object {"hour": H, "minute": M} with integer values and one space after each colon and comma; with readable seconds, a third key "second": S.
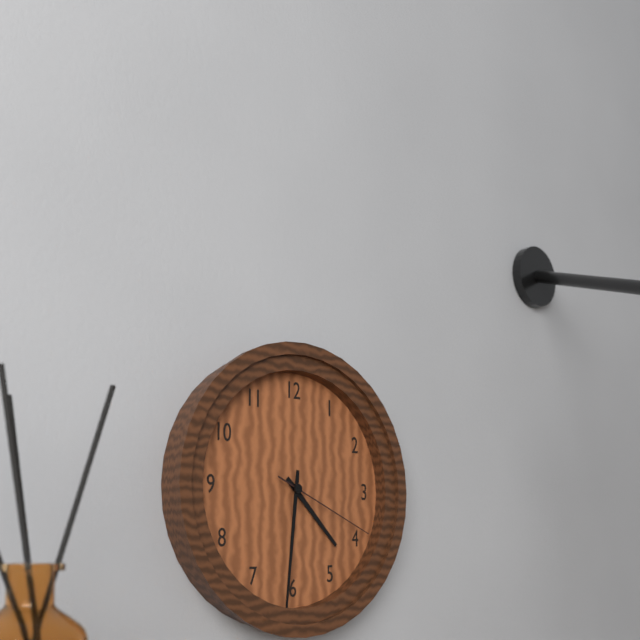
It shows {"hour": 4, "minute": 31, "second": 19}
